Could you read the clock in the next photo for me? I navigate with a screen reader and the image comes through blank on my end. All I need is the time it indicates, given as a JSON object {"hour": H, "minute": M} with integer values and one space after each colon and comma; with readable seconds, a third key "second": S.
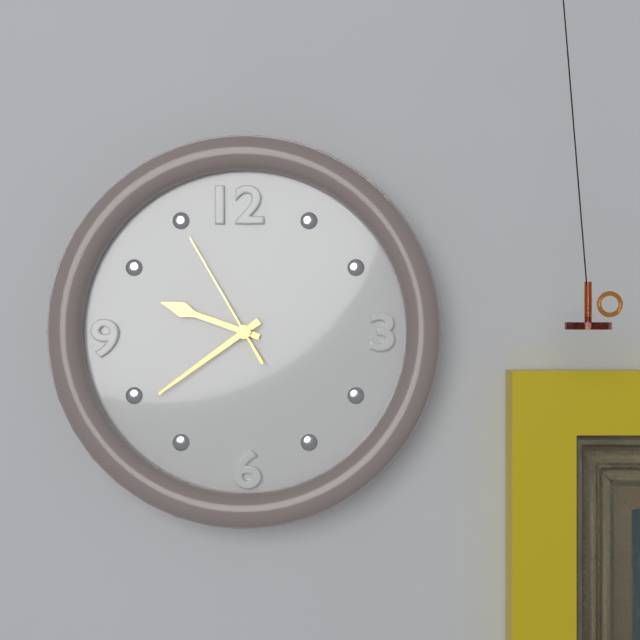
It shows {"hour": 9, "minute": 39, "second": 55}
